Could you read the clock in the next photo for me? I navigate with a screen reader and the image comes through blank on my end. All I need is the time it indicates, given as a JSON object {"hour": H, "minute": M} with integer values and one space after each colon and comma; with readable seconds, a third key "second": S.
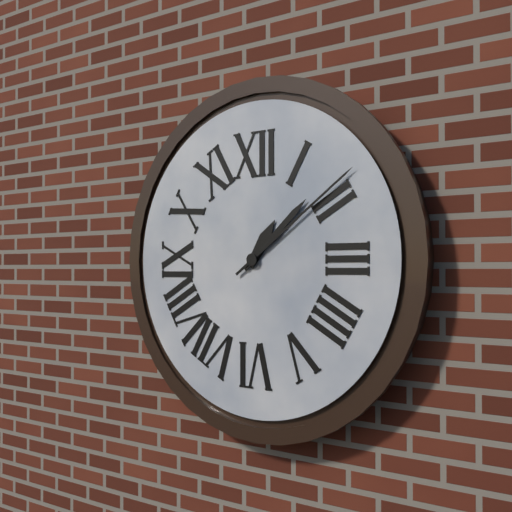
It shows {"hour": 1, "minute": 8, "second": 9}
